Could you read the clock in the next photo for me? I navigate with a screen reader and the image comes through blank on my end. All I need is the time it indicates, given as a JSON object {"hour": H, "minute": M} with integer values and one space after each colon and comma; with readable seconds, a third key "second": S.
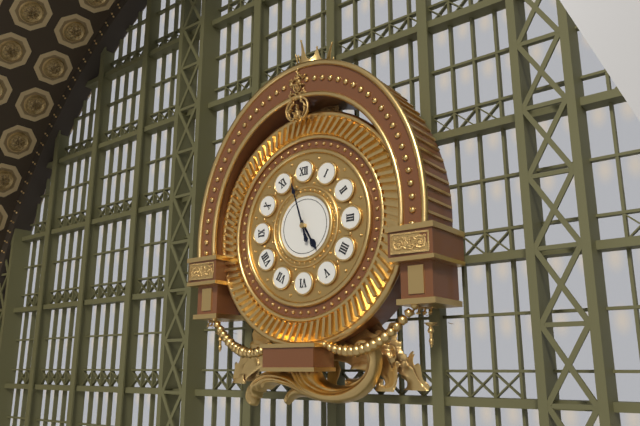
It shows {"hour": 4, "minute": 57}
